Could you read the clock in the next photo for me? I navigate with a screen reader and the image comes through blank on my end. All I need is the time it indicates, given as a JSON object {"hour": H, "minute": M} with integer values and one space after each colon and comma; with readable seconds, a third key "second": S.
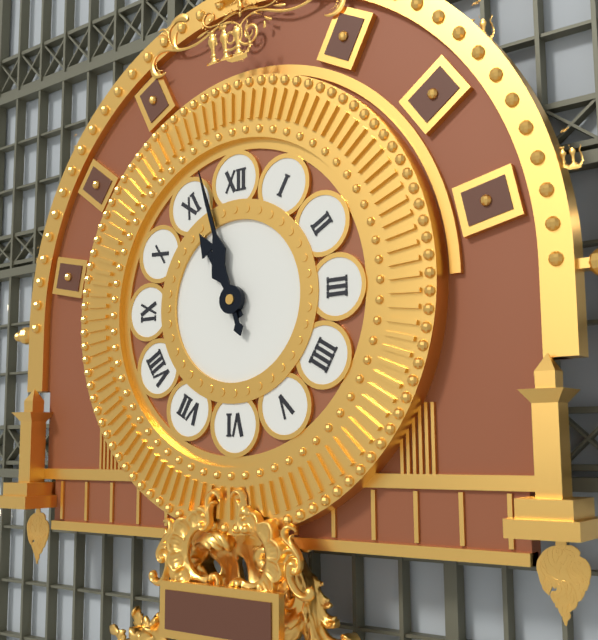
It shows {"hour": 10, "minute": 57}
